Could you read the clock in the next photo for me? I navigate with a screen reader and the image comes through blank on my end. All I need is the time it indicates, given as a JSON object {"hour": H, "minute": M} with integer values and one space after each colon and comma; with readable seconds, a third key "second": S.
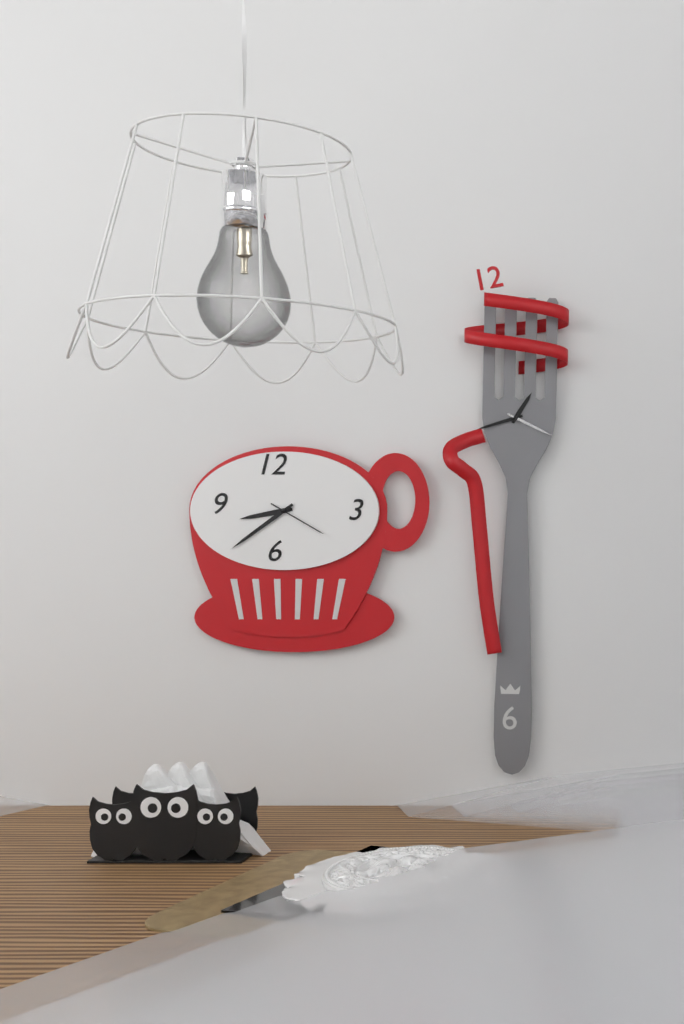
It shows {"hour": 8, "minute": 39, "second": 20}
